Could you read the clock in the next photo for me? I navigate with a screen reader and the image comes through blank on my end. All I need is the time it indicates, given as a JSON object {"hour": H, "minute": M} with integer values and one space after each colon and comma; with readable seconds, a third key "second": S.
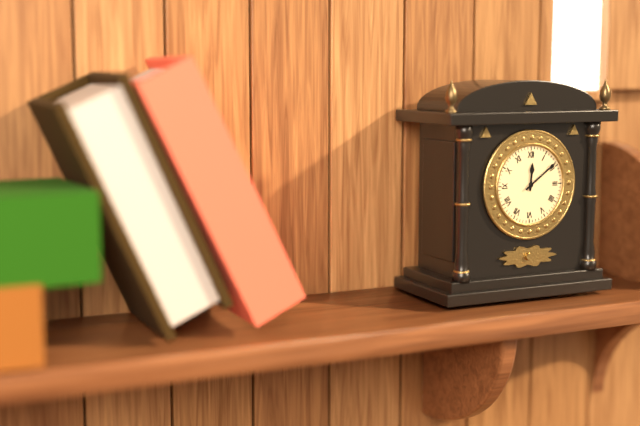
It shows {"hour": 12, "minute": 9}
